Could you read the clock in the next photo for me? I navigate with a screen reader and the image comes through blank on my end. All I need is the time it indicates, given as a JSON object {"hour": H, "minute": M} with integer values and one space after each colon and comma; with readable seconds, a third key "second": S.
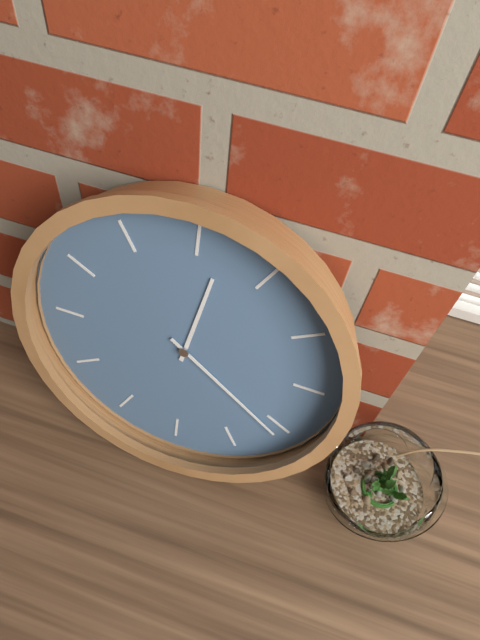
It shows {"hour": 12, "minute": 21}
